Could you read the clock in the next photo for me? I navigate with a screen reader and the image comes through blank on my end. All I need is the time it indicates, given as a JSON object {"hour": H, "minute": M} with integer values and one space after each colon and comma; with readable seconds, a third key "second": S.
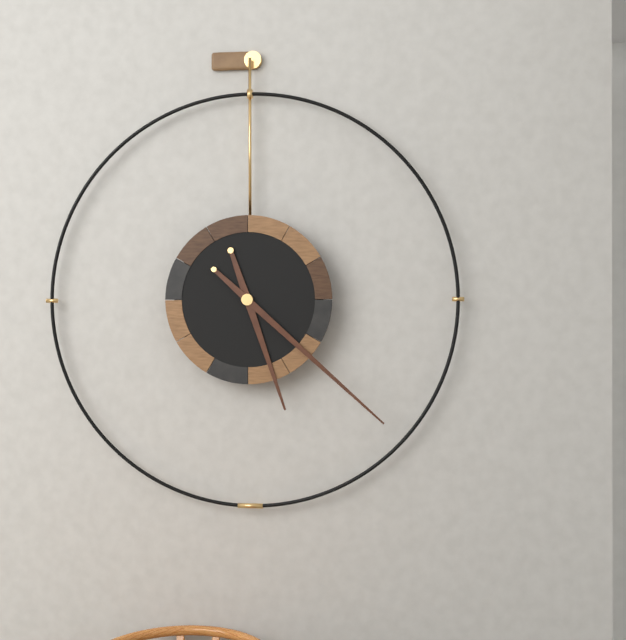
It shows {"hour": 5, "minute": 22}
